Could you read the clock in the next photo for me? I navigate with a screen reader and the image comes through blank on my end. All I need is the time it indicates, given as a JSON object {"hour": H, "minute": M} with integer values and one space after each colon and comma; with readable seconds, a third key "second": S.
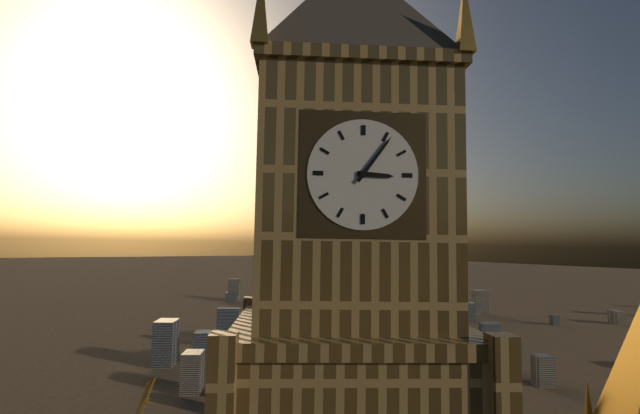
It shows {"hour": 3, "minute": 6}
